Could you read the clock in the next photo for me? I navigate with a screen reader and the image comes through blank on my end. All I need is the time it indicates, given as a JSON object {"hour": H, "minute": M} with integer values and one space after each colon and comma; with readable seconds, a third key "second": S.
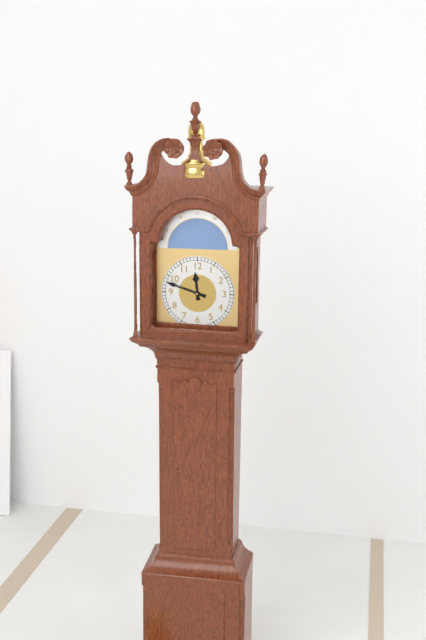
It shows {"hour": 11, "minute": 48}
